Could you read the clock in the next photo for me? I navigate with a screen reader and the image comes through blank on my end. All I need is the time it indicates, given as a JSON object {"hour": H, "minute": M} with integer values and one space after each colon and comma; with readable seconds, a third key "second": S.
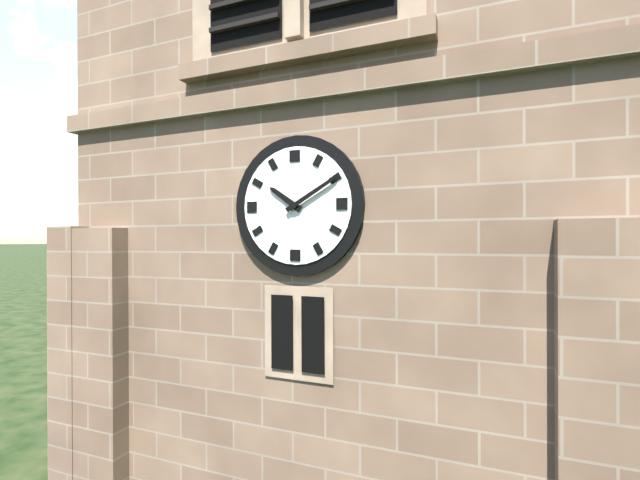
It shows {"hour": 10, "minute": 10}
